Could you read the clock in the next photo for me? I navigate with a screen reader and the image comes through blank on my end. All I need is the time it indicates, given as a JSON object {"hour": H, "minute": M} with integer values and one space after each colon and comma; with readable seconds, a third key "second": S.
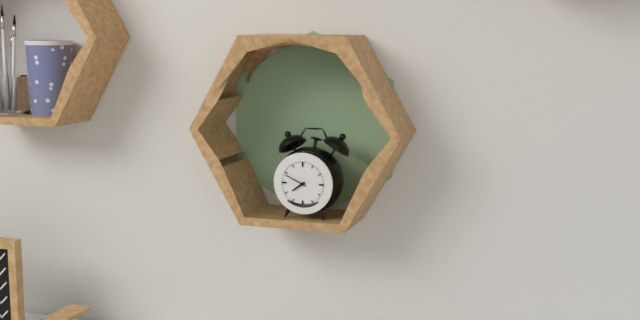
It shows {"hour": 7, "minute": 49}
